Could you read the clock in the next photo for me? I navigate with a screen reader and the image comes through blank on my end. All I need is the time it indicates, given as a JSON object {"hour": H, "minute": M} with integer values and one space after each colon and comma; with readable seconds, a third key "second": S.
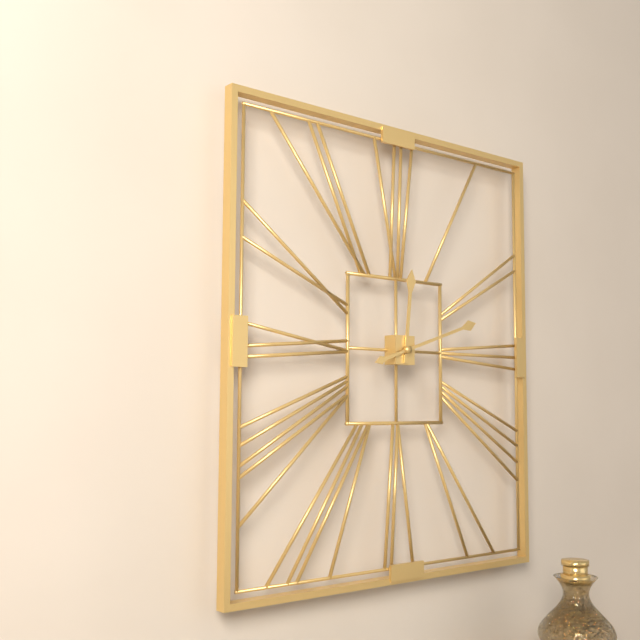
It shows {"hour": 12, "minute": 12}
